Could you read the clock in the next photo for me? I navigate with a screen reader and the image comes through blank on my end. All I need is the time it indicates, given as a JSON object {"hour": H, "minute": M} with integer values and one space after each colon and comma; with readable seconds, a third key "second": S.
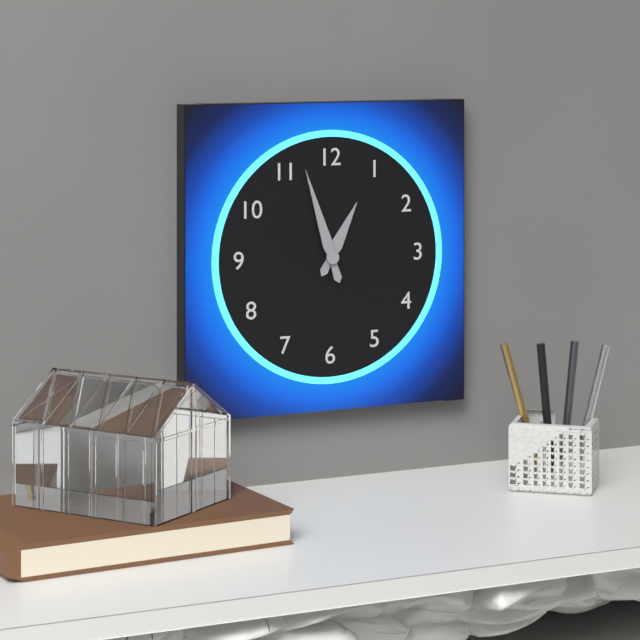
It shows {"hour": 12, "minute": 57}
